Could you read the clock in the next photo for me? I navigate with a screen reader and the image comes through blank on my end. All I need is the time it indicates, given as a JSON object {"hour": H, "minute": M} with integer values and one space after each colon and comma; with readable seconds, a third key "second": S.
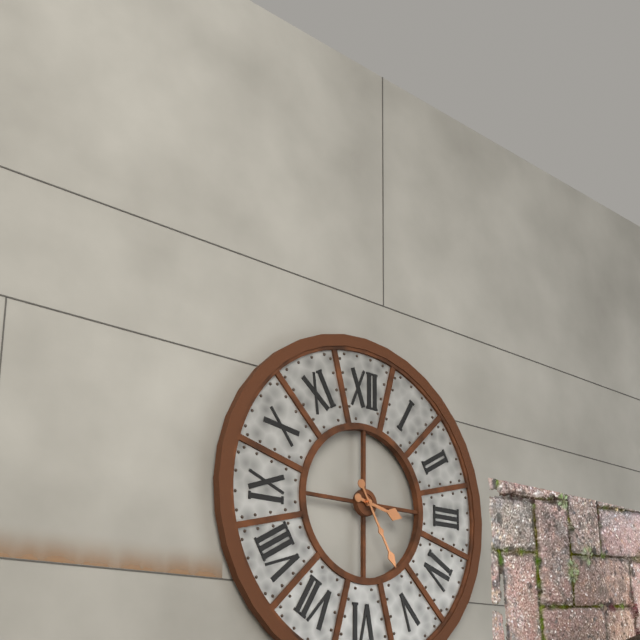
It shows {"hour": 3, "minute": 25}
